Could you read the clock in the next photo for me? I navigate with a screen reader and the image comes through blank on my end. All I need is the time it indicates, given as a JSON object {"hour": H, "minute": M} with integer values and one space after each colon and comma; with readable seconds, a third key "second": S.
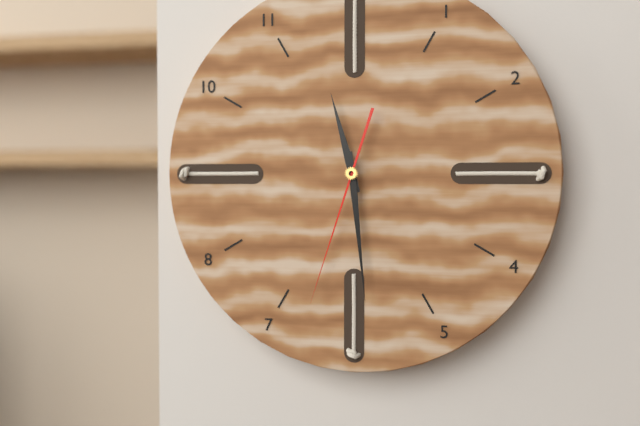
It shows {"hour": 11, "minute": 29, "second": 33}
